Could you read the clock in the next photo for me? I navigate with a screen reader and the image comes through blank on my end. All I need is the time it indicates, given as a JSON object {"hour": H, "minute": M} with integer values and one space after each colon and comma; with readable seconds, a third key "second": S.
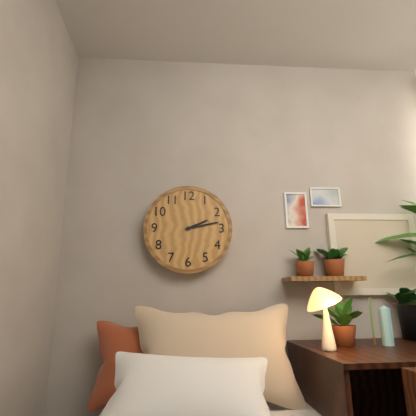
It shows {"hour": 2, "minute": 13}
